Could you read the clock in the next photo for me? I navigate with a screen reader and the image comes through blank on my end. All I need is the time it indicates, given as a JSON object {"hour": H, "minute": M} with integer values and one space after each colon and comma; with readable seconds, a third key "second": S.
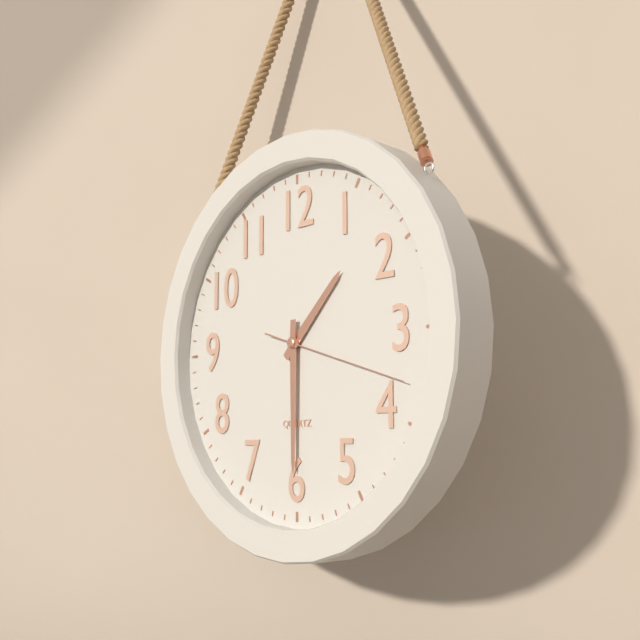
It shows {"hour": 1, "minute": 30, "second": 18}
